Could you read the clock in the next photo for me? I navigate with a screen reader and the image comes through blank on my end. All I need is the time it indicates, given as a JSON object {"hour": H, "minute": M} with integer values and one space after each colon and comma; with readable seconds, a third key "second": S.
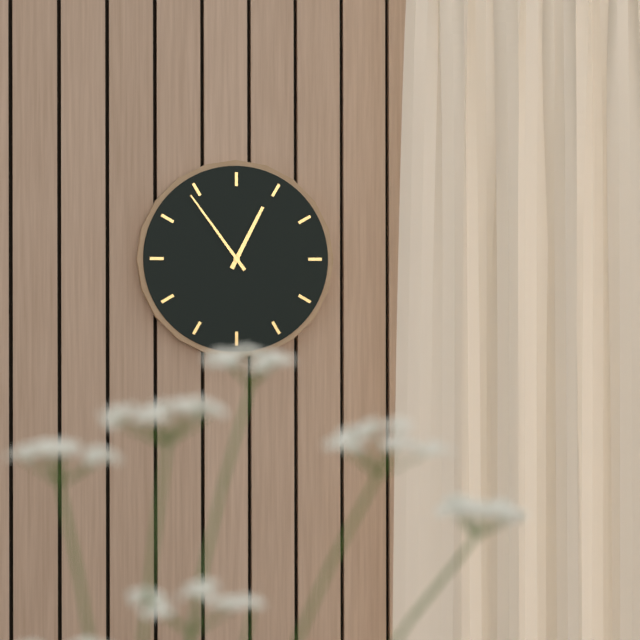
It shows {"hour": 12, "minute": 54}
